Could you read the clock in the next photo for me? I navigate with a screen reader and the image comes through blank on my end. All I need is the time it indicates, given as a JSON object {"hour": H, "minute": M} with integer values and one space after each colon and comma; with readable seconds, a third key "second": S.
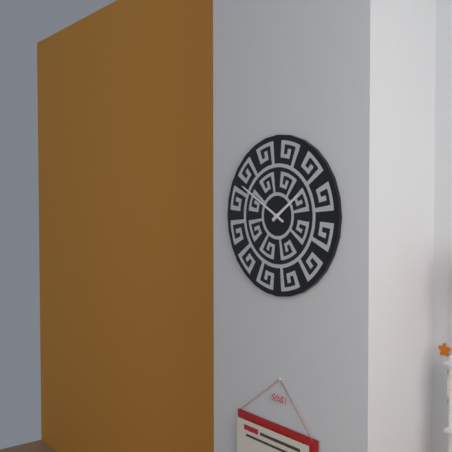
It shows {"hour": 1, "minute": 50}
